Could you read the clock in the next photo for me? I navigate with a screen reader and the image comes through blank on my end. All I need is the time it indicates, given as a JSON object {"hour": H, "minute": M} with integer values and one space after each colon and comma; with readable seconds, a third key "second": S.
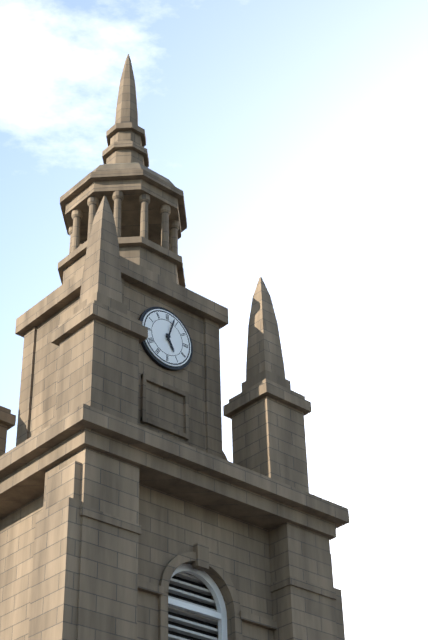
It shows {"hour": 5, "minute": 3}
